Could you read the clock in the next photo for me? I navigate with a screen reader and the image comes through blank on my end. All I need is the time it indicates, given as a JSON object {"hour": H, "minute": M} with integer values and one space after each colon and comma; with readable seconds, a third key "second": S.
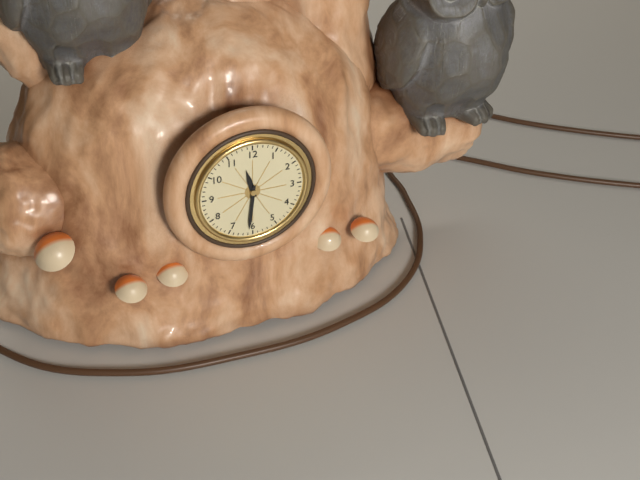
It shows {"hour": 11, "minute": 31}
